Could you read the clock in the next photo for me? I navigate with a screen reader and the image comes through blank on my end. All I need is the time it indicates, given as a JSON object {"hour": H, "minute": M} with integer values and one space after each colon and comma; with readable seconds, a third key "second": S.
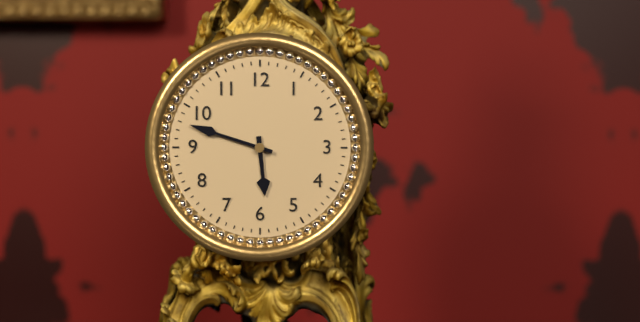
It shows {"hour": 5, "minute": 48}
